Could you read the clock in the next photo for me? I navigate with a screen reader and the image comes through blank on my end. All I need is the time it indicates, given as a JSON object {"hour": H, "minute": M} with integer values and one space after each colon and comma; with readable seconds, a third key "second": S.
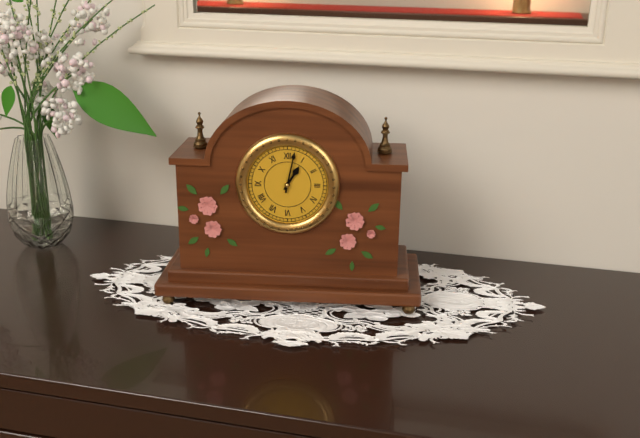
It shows {"hour": 1, "minute": 2}
